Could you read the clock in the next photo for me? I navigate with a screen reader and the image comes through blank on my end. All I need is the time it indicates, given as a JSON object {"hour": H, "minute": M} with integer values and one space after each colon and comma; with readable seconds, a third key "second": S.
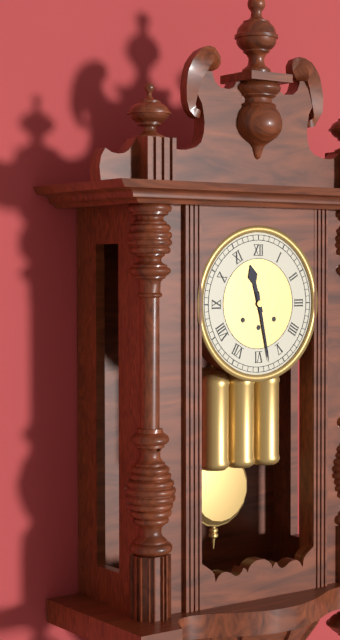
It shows {"hour": 11, "minute": 28}
